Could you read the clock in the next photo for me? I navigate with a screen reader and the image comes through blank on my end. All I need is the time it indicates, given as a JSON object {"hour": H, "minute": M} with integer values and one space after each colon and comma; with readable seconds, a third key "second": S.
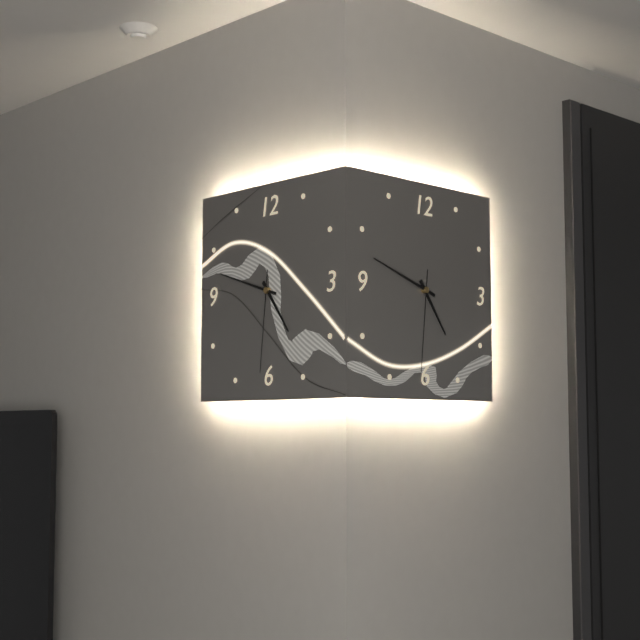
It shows {"hour": 4, "minute": 48, "second": 31}
